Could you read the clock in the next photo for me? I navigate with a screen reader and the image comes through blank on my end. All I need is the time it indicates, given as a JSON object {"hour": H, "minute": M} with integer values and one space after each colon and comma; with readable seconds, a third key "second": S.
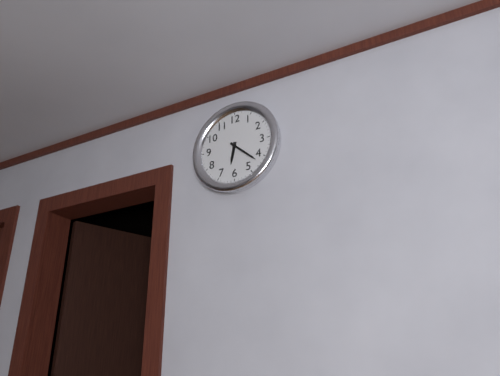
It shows {"hour": 6, "minute": 22}
